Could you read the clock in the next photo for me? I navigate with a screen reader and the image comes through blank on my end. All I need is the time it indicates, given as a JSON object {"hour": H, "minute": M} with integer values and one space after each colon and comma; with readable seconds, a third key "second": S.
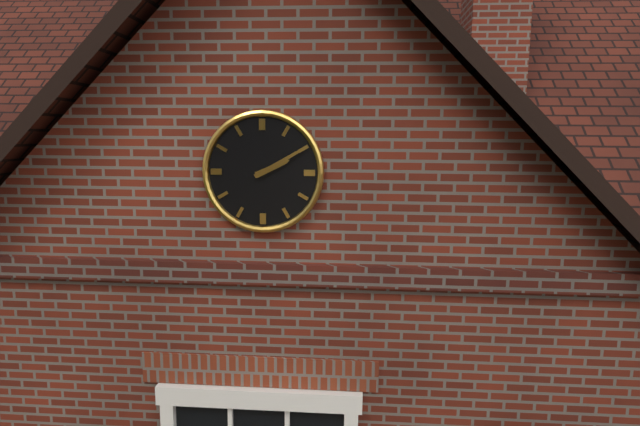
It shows {"hour": 2, "minute": 10}
